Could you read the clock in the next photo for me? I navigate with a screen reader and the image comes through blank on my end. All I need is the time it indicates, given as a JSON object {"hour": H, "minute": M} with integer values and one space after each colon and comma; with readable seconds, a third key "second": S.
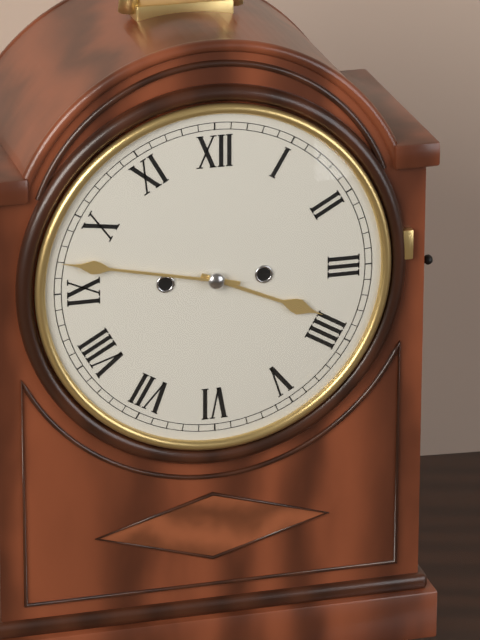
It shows {"hour": 3, "minute": 47}
